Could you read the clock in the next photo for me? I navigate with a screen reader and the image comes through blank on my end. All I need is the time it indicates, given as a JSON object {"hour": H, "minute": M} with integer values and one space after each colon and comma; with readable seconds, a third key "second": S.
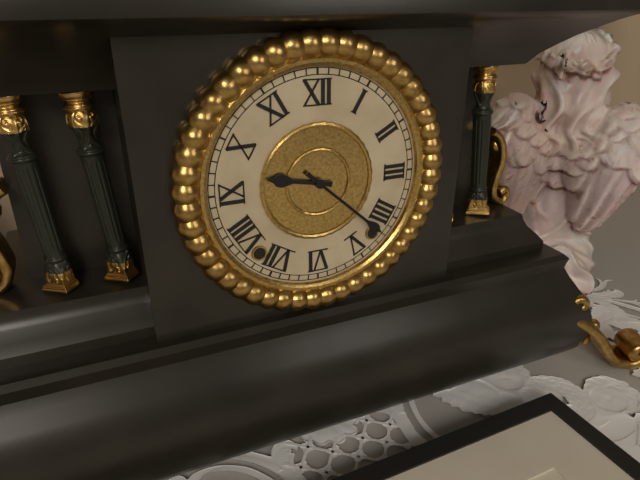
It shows {"hour": 9, "minute": 22}
